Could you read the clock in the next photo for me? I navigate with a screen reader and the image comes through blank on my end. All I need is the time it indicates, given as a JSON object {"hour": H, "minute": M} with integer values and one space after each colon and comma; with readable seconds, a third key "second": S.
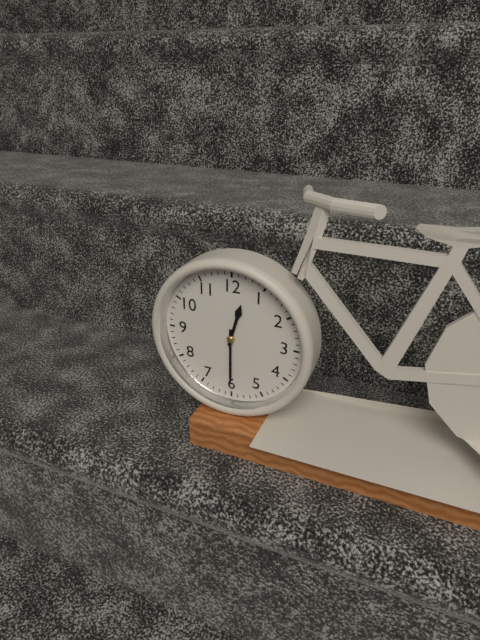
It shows {"hour": 12, "minute": 30}
